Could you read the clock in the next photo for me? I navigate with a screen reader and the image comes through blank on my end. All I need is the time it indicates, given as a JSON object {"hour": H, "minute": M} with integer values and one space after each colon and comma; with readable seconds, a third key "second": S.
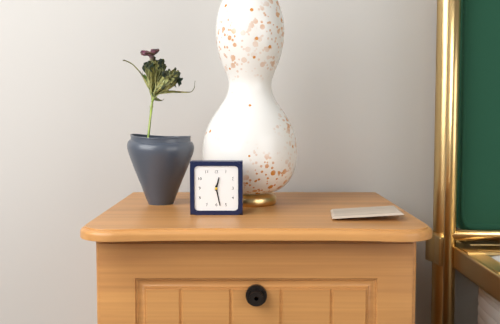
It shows {"hour": 12, "minute": 28}
